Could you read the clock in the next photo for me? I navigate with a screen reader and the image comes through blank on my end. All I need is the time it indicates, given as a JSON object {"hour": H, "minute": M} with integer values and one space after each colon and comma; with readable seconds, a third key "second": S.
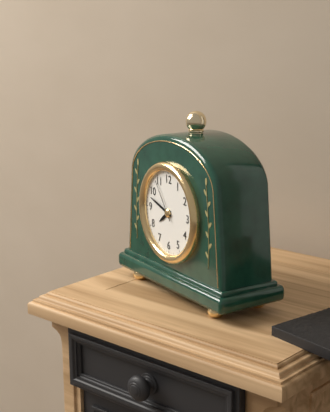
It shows {"hour": 7, "minute": 48, "second": 54}
